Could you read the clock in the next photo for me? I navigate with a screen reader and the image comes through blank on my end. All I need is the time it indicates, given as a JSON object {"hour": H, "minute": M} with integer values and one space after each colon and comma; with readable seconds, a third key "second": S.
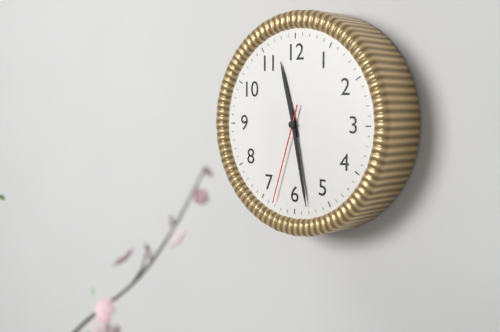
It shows {"hour": 11, "minute": 28, "second": 33}
